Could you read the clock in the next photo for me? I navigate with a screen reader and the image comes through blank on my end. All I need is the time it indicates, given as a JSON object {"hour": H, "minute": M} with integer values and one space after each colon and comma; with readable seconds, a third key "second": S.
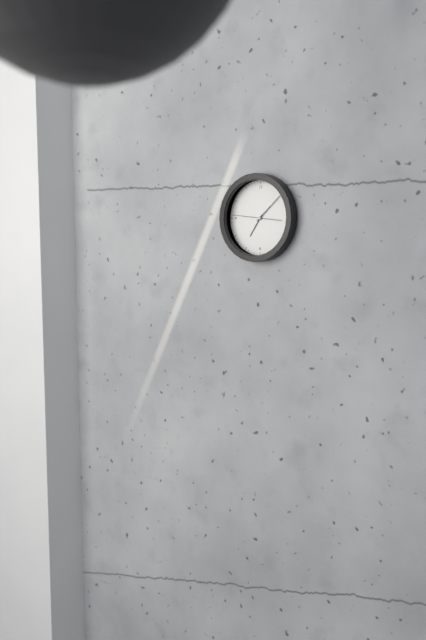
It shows {"hour": 7, "minute": 8}
